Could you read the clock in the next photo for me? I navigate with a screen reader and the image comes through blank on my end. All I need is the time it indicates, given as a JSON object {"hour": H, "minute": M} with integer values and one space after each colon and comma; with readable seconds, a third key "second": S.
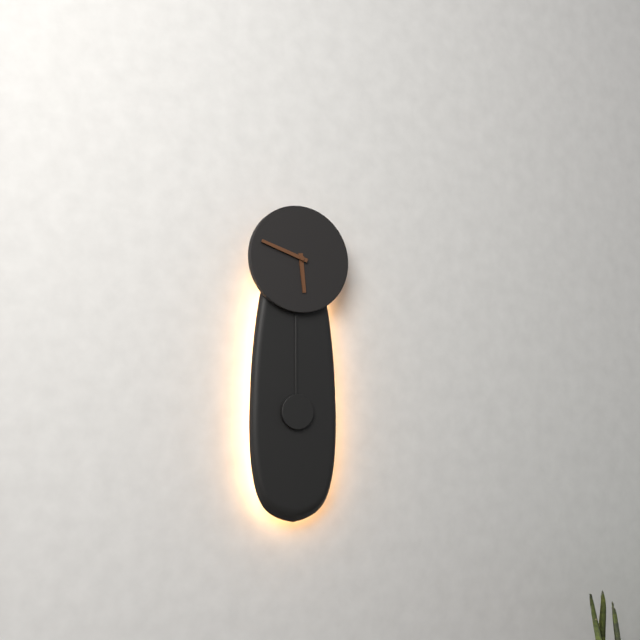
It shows {"hour": 5, "minute": 48}
